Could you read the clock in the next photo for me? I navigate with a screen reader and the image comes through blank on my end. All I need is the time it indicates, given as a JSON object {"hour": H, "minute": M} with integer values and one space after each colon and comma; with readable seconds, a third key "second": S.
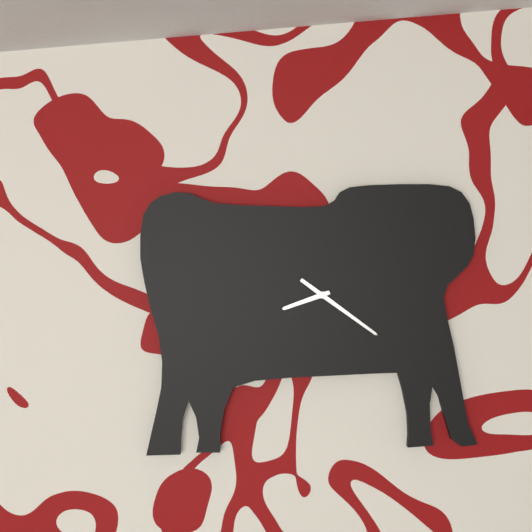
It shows {"hour": 8, "minute": 21}
